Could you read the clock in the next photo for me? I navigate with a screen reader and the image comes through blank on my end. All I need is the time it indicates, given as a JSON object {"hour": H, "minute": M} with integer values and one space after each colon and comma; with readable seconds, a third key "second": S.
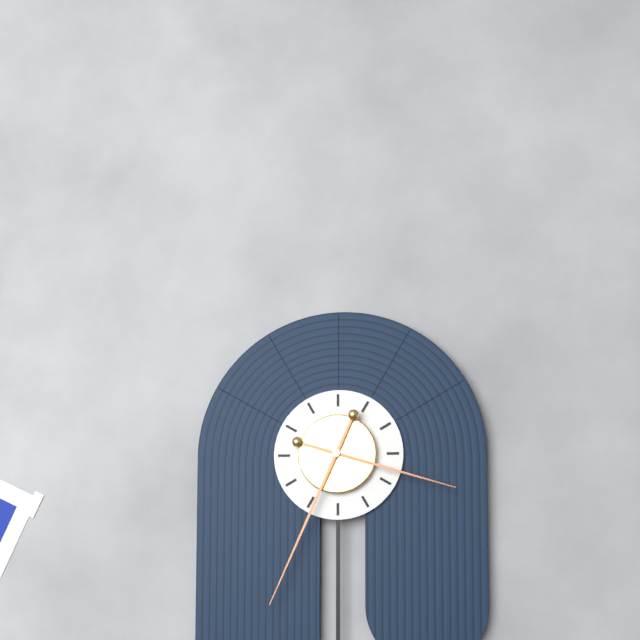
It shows {"hour": 3, "minute": 34}
